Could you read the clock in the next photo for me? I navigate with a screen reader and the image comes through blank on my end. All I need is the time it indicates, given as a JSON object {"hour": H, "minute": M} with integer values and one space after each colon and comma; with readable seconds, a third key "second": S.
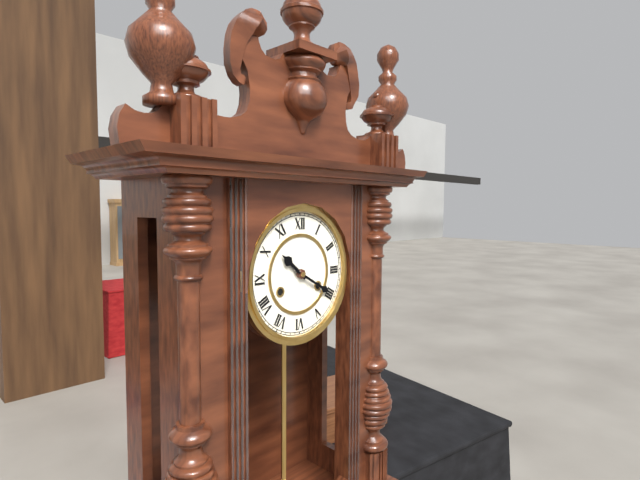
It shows {"hour": 10, "minute": 20}
